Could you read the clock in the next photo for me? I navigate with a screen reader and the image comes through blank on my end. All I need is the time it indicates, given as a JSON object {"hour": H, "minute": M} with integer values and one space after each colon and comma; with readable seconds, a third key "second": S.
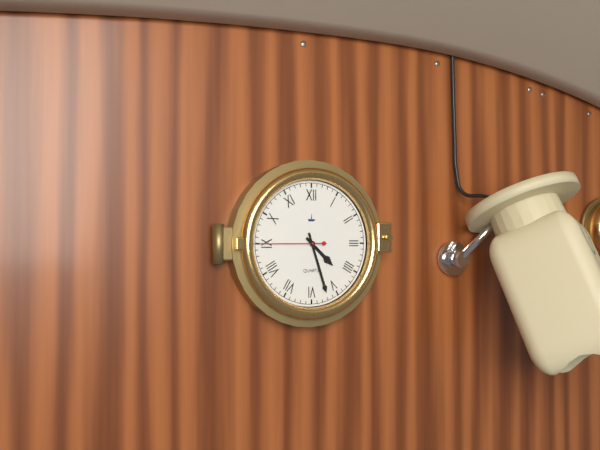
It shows {"hour": 4, "minute": 27, "second": 45}
